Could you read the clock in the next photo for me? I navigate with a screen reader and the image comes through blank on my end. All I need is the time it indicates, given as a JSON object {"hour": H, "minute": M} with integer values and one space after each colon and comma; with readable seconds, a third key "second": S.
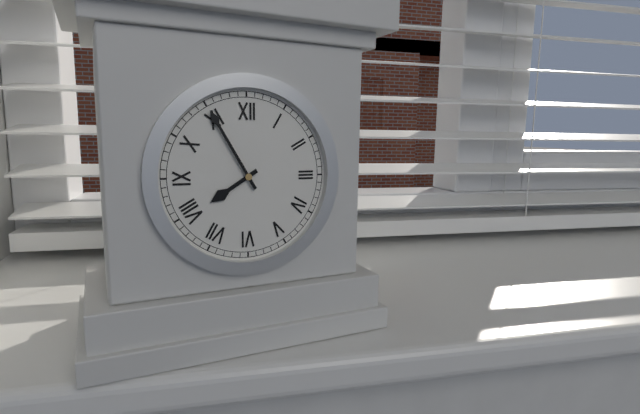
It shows {"hour": 7, "minute": 55}
